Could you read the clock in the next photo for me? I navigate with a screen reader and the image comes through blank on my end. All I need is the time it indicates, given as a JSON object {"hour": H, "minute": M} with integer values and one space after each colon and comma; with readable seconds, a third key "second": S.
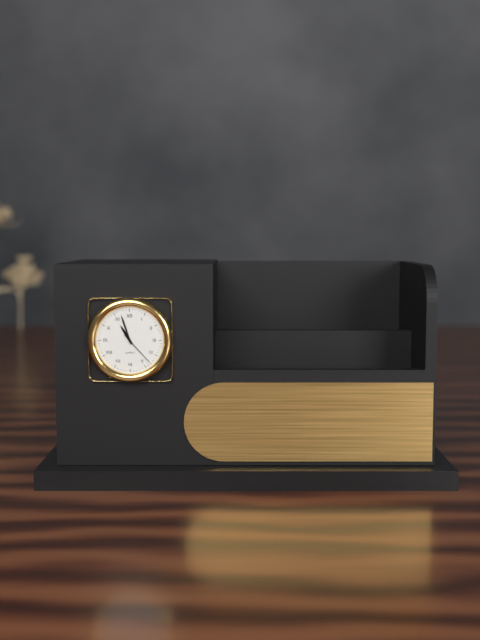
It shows {"hour": 10, "minute": 57}
